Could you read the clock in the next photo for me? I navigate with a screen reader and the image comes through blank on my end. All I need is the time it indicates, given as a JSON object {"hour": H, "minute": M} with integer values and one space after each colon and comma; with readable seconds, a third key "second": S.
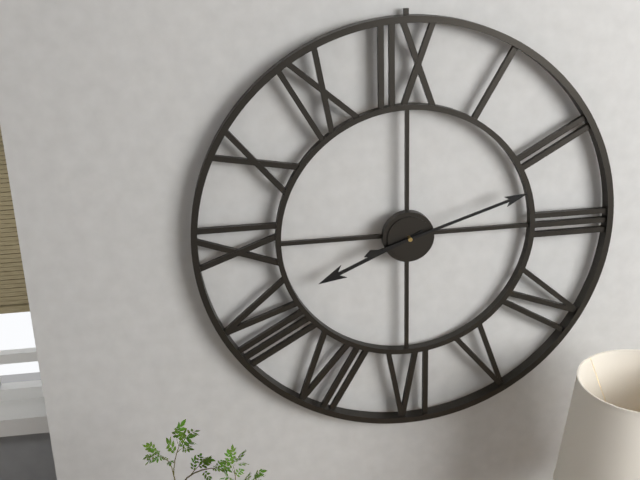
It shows {"hour": 8, "minute": 12}
